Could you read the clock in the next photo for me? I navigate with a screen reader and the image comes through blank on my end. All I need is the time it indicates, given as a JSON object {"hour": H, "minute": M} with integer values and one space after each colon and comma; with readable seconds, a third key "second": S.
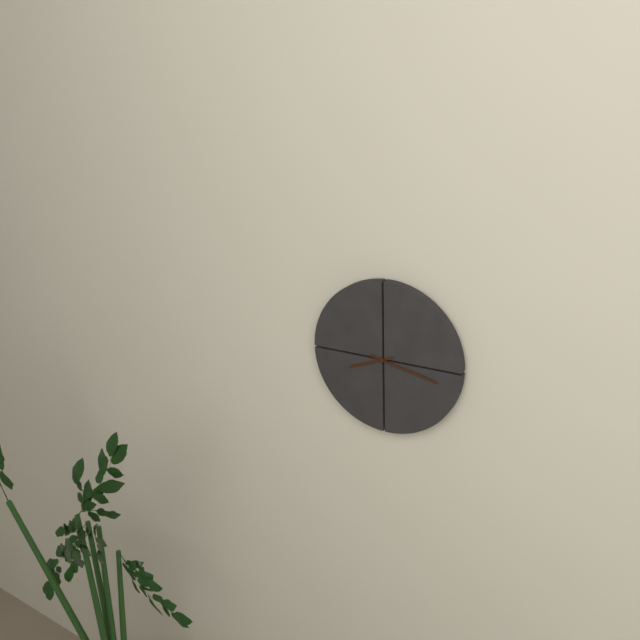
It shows {"hour": 8, "minute": 17}
